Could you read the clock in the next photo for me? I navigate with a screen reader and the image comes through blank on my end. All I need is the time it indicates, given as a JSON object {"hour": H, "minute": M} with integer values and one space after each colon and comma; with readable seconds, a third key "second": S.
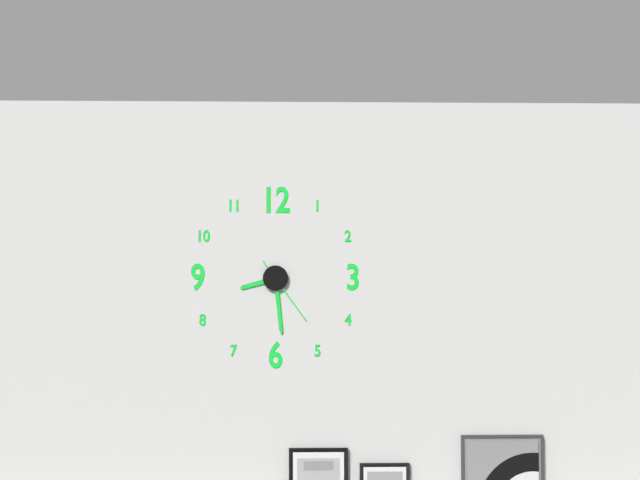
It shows {"hour": 8, "minute": 29, "second": 24}
